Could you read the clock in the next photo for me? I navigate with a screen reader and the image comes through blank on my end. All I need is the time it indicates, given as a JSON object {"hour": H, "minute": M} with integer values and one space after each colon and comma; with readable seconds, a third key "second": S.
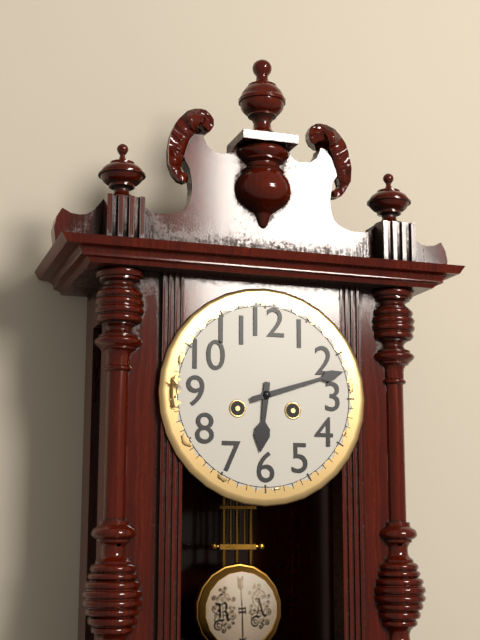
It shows {"hour": 6, "minute": 12}
